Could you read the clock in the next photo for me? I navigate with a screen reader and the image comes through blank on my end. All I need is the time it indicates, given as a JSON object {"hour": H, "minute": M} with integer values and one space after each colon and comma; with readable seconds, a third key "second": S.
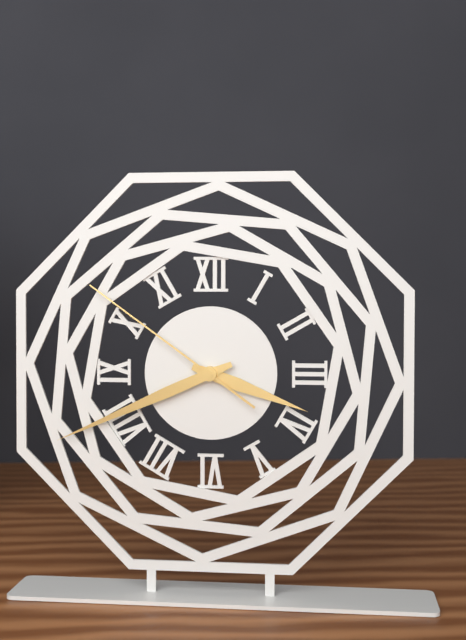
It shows {"hour": 3, "minute": 41, "second": 51}
